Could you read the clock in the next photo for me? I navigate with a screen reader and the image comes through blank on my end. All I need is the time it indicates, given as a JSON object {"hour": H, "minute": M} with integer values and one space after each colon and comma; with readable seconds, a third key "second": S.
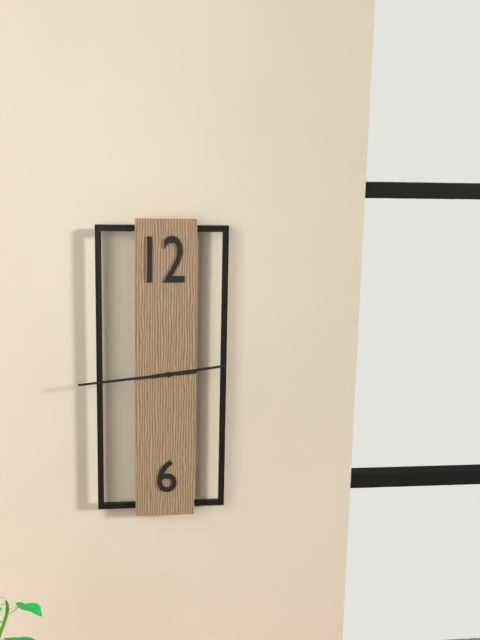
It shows {"hour": 2, "minute": 44}
